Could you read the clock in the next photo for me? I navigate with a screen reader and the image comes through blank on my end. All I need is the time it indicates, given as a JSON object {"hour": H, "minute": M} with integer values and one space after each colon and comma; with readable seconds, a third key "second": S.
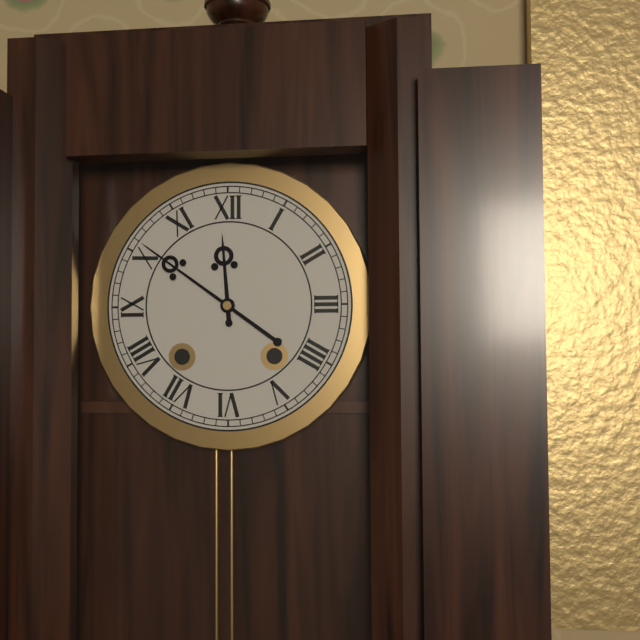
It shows {"hour": 11, "minute": 51}
